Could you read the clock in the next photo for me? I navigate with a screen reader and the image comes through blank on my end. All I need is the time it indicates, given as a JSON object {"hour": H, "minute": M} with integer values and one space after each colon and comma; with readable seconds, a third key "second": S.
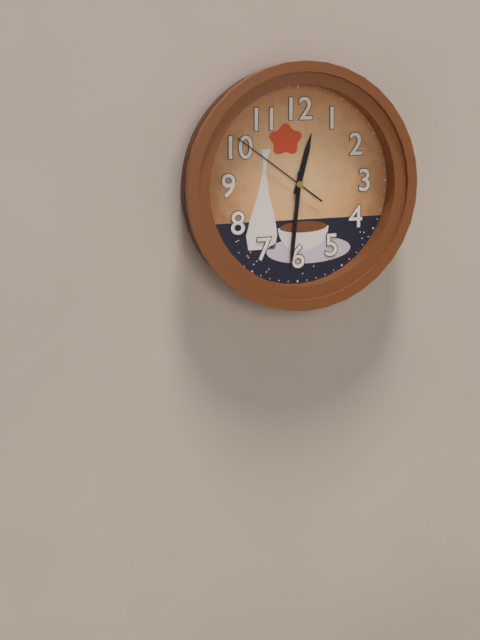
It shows {"hour": 12, "minute": 31, "second": 51}
